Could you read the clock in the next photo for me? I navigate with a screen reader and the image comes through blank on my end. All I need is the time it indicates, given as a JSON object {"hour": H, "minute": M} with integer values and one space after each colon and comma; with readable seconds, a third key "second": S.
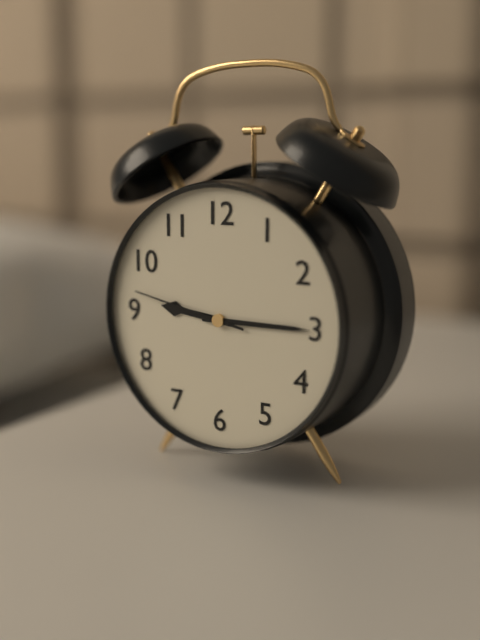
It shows {"hour": 9, "minute": 15, "second": 47}
